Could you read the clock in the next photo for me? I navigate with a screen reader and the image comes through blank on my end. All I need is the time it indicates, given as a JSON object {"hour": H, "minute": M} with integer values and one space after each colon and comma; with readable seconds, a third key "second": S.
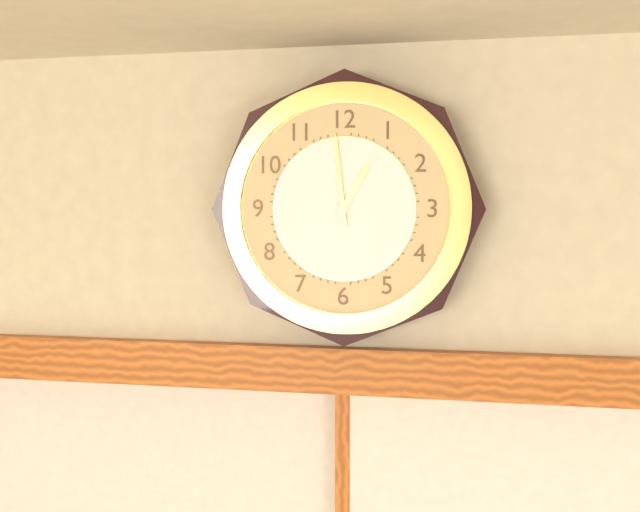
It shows {"hour": 12, "minute": 59}
